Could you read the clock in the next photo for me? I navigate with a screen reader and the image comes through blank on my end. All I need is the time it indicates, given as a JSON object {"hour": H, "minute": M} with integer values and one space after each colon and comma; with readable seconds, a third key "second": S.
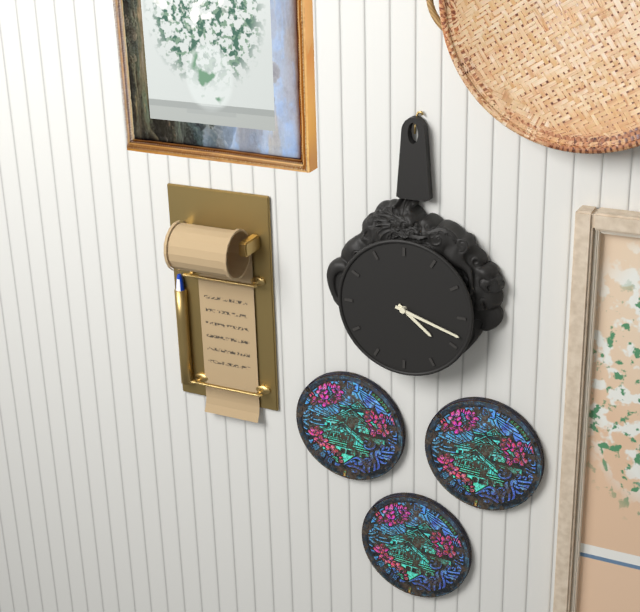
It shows {"hour": 4, "minute": 18}
